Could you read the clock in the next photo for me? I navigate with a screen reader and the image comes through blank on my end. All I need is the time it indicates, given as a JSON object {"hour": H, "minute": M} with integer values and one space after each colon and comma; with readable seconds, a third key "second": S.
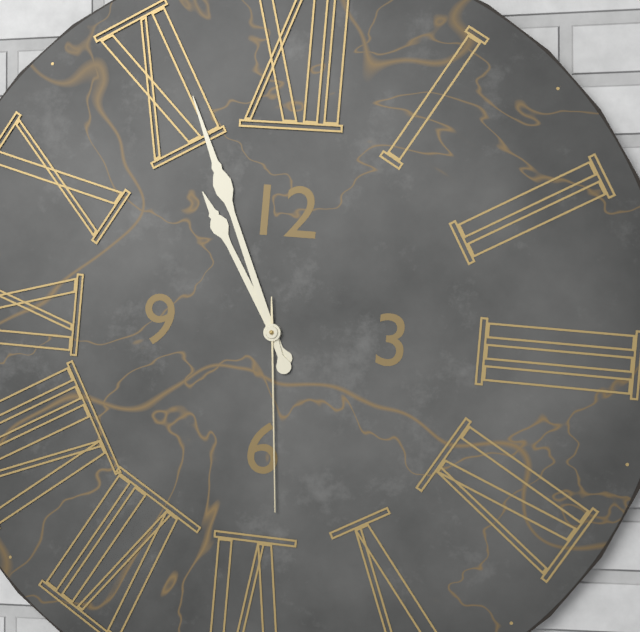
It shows {"hour": 10, "minute": 56, "second": 29}
